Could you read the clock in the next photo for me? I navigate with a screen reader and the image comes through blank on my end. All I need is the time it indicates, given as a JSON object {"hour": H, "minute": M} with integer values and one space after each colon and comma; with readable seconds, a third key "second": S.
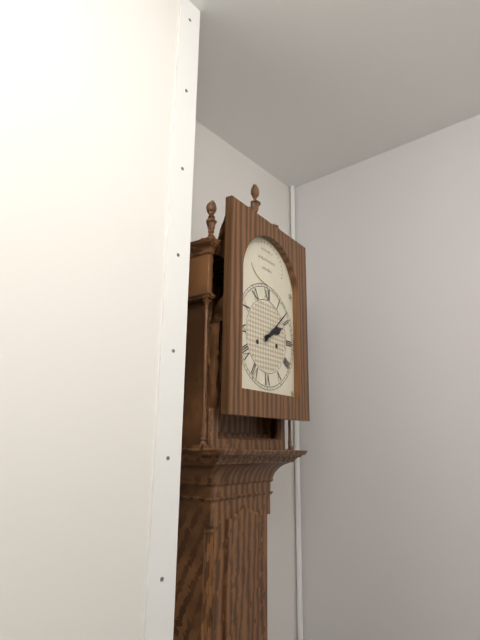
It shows {"hour": 2, "minute": 8}
